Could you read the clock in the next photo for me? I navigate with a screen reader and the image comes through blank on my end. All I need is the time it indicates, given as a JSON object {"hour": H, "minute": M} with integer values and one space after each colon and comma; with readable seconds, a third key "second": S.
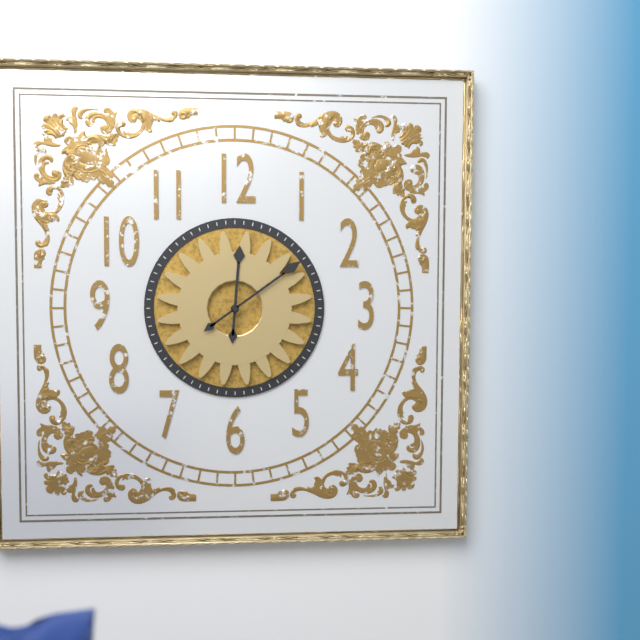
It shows {"hour": 12, "minute": 9}
